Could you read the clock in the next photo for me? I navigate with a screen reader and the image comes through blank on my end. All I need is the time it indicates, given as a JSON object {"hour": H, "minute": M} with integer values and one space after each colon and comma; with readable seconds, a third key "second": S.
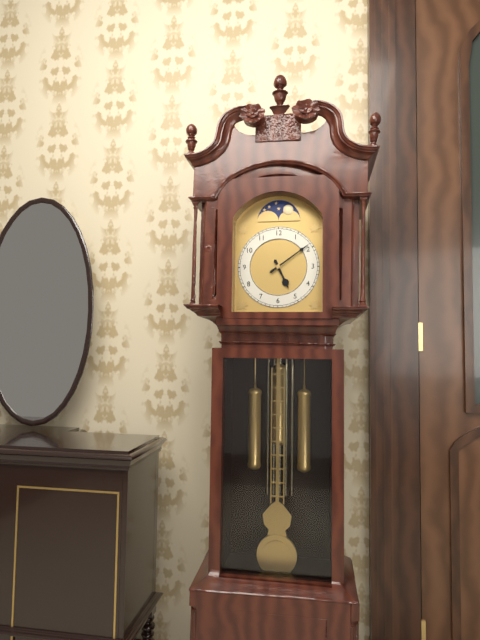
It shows {"hour": 5, "minute": 9}
